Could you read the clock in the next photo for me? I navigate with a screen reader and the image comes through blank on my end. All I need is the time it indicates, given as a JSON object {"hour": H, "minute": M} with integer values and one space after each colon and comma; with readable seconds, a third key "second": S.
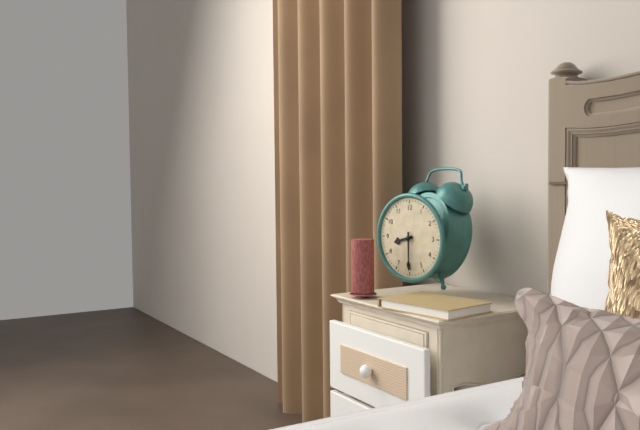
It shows {"hour": 8, "minute": 30}
